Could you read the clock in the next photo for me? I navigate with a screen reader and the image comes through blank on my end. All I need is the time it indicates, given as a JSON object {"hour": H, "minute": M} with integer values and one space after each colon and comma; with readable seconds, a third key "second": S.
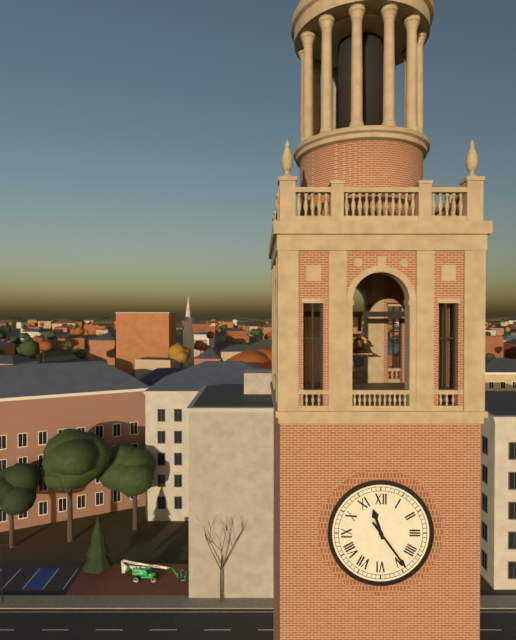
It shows {"hour": 11, "minute": 24}
